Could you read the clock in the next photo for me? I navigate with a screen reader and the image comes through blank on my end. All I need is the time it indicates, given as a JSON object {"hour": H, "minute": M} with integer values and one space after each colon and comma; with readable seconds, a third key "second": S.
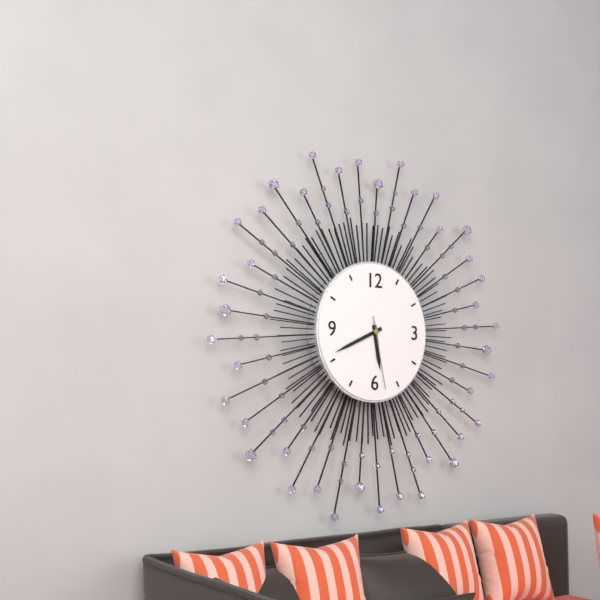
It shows {"hour": 5, "minute": 41, "second": 28}
